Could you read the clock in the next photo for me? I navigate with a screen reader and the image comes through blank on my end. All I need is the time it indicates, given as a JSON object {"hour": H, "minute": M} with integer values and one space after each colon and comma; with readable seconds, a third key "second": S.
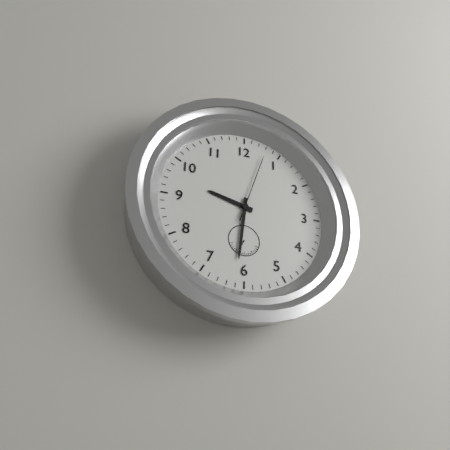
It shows {"hour": 9, "minute": 31, "second": 3}
